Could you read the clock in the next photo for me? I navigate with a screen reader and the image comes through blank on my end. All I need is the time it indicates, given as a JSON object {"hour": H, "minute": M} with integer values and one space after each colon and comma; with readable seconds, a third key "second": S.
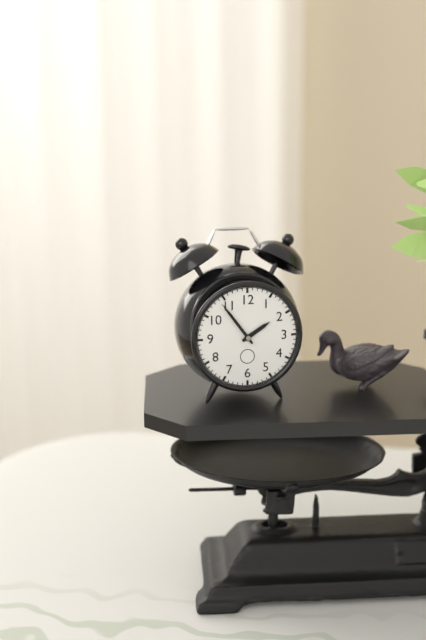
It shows {"hour": 1, "minute": 54}
